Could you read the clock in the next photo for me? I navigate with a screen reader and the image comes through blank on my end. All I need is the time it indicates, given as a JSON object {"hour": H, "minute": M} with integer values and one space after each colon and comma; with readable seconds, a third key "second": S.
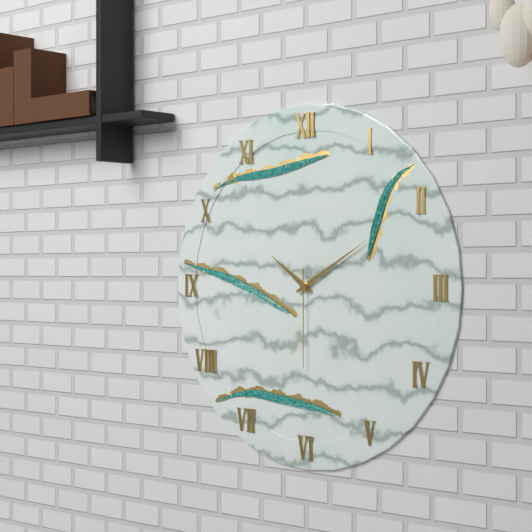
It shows {"hour": 10, "minute": 10, "second": 30}
